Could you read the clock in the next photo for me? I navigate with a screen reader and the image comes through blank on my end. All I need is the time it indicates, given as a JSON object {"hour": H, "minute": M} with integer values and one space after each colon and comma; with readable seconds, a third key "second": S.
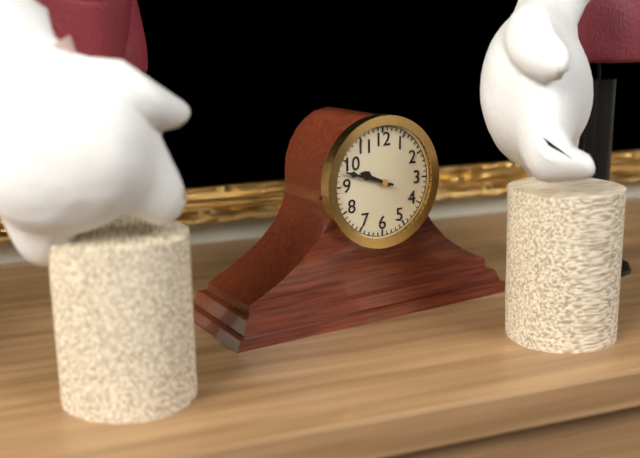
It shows {"hour": 9, "minute": 48}
